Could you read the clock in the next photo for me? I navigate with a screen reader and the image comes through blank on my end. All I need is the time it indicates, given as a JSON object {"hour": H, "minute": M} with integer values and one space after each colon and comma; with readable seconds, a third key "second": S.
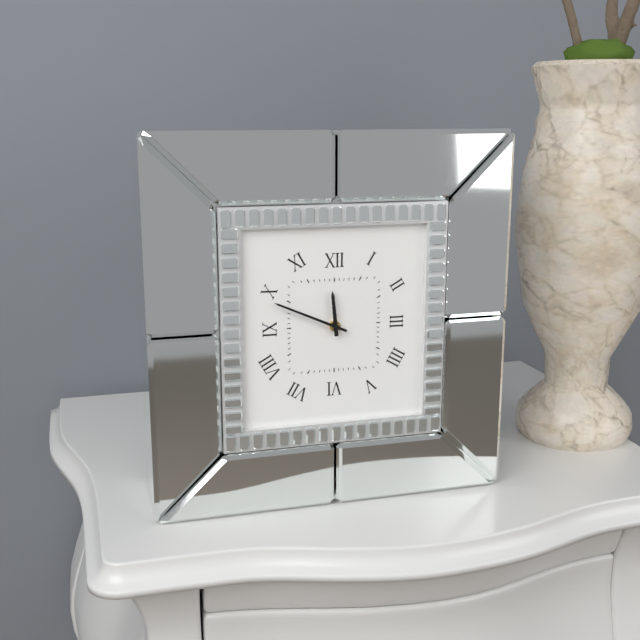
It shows {"hour": 11, "minute": 49}
